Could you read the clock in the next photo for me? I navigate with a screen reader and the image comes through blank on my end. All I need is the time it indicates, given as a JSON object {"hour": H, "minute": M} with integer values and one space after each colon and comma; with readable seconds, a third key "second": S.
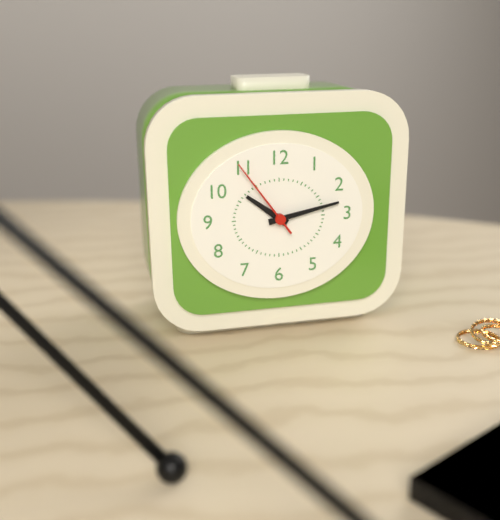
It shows {"hour": 10, "minute": 13, "second": 54}
